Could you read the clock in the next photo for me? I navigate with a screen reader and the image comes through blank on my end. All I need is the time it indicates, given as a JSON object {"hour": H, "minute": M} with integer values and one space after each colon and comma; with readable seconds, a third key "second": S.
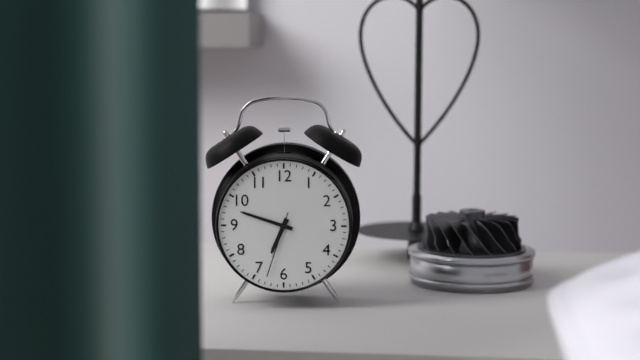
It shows {"hour": 6, "minute": 48, "second": 33}
